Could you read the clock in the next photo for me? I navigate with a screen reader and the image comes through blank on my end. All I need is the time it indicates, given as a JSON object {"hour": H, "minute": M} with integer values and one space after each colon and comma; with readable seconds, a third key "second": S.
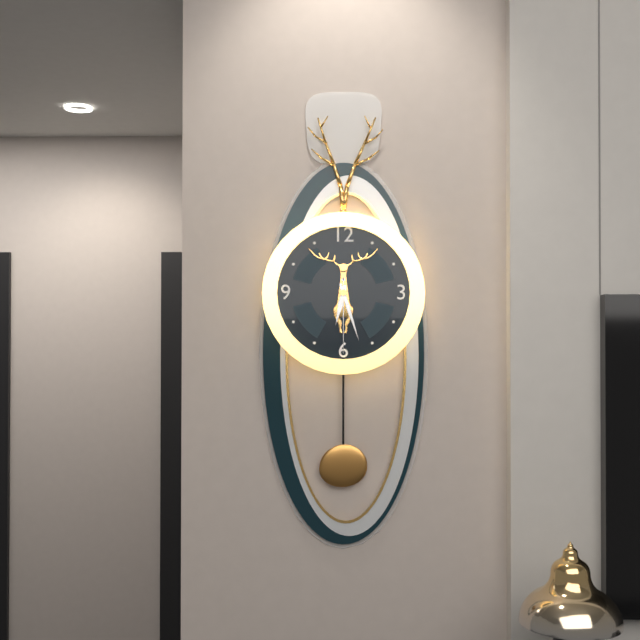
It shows {"hour": 6, "minute": 27, "second": 30}
